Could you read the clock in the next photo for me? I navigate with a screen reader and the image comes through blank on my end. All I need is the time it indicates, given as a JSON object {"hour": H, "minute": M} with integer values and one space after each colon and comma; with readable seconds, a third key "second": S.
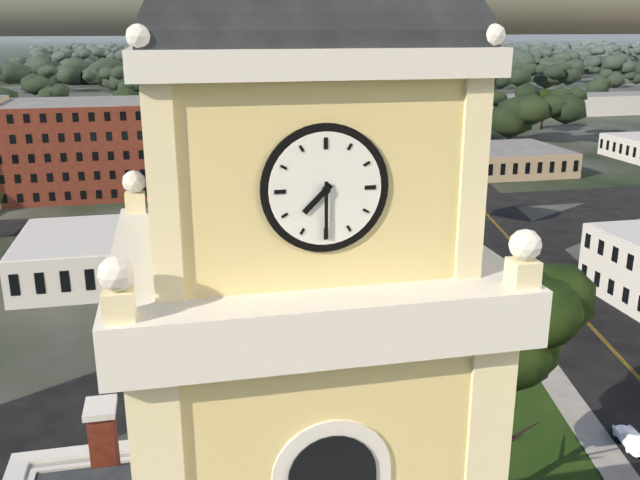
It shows {"hour": 7, "minute": 30}
